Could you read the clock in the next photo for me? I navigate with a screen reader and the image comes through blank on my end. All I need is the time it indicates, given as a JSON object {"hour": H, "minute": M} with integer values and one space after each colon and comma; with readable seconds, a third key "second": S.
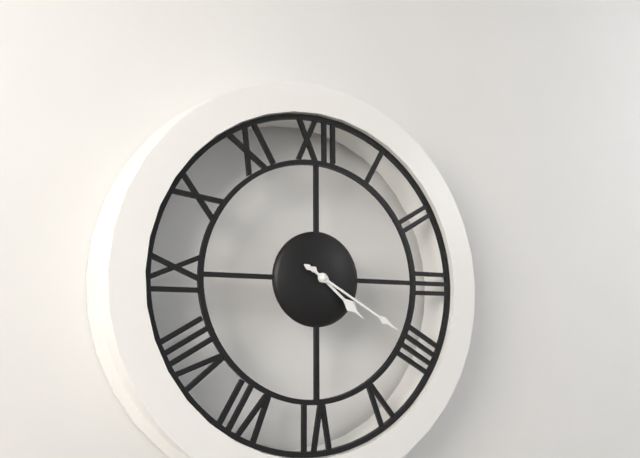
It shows {"hour": 4, "minute": 20}
